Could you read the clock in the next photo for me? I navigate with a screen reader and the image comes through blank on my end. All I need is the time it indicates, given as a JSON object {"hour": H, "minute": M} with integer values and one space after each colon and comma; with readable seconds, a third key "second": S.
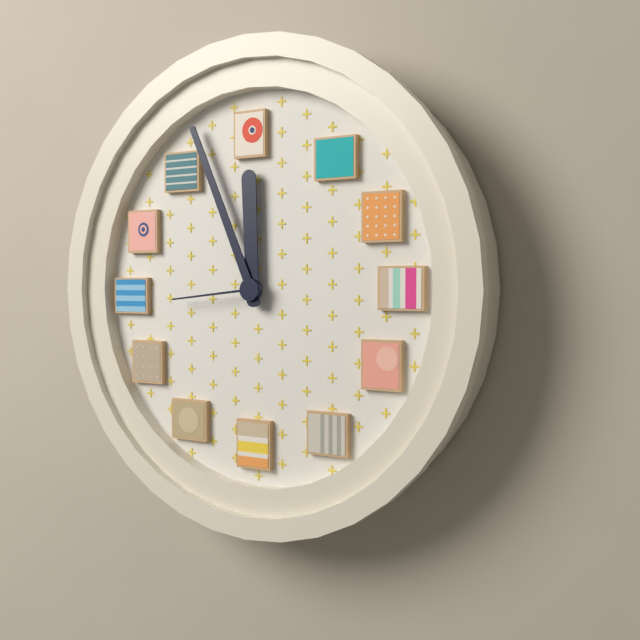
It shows {"hour": 11, "minute": 56, "second": 44}
